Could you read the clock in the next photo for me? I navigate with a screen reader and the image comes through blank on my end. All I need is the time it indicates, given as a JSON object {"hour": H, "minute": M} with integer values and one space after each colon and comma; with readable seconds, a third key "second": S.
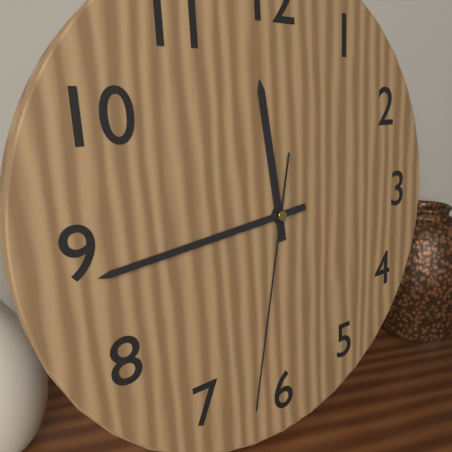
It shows {"hour": 11, "minute": 44, "second": 32}
